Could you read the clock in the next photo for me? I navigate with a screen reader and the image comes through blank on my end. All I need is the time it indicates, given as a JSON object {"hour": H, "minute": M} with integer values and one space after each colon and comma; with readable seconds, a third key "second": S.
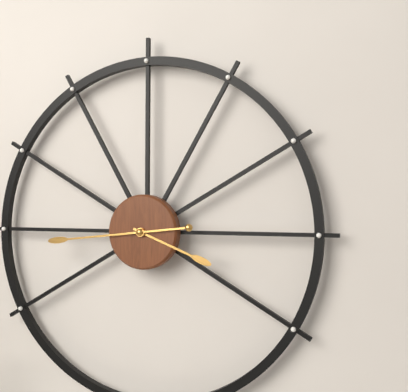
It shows {"hour": 3, "minute": 44}
